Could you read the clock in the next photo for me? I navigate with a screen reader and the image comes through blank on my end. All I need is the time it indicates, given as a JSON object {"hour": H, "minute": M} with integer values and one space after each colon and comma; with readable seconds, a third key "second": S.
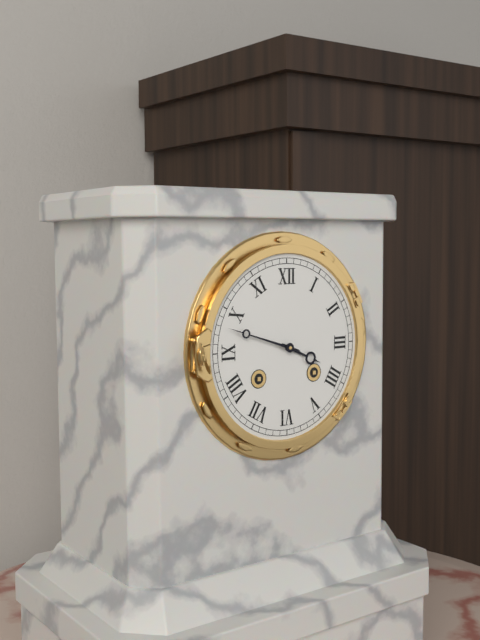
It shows {"hour": 3, "minute": 48}
